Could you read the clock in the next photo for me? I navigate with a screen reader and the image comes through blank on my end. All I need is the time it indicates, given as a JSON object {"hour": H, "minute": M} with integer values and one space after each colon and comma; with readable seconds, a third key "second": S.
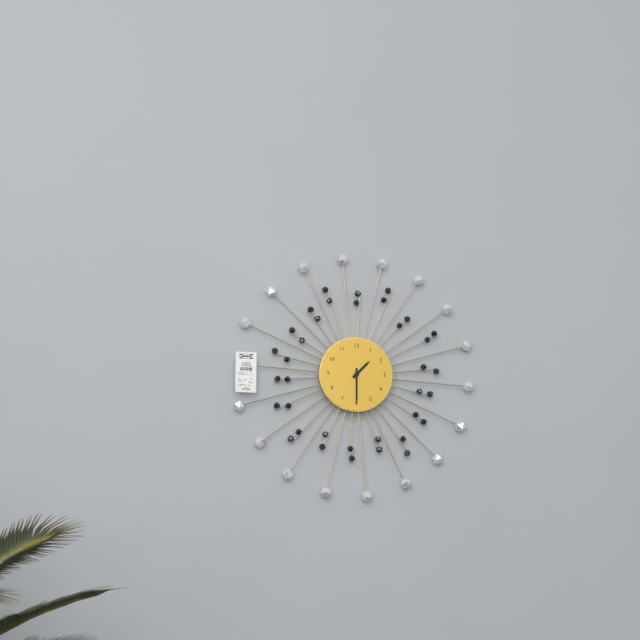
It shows {"hour": 1, "minute": 30}
